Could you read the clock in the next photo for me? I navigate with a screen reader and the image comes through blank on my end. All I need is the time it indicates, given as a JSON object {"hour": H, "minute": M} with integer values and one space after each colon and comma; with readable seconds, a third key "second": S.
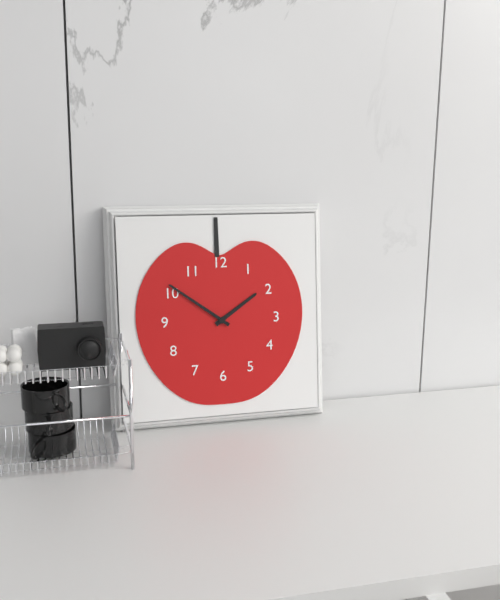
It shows {"hour": 1, "minute": 51}
